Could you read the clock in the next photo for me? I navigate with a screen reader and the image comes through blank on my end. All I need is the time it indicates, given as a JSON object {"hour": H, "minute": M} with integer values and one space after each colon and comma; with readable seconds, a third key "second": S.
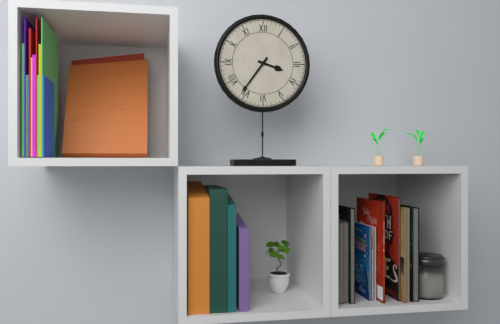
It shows {"hour": 3, "minute": 36}
